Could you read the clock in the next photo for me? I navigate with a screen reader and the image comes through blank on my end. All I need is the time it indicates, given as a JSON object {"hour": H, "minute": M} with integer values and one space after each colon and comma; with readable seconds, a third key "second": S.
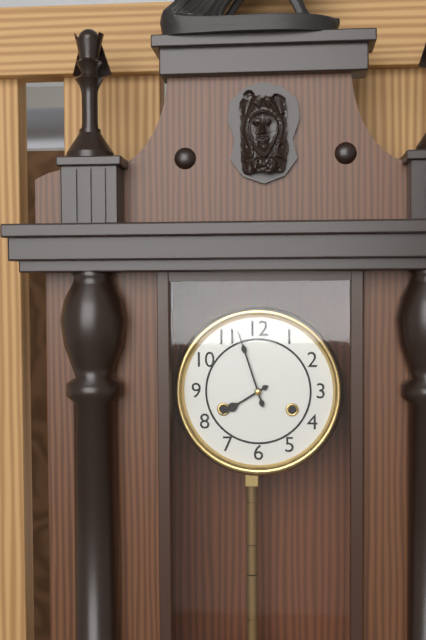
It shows {"hour": 7, "minute": 57}
